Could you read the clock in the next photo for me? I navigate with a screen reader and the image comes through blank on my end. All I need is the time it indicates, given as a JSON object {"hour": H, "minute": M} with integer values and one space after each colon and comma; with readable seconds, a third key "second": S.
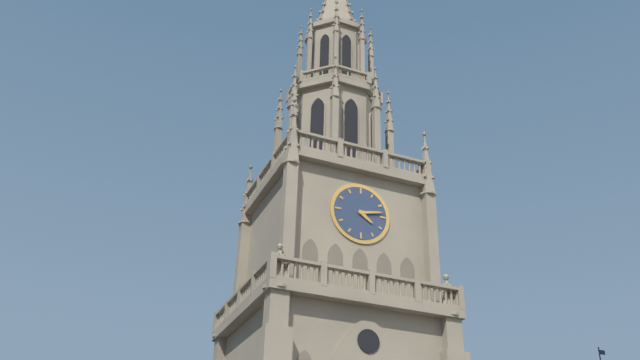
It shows {"hour": 4, "minute": 13}
